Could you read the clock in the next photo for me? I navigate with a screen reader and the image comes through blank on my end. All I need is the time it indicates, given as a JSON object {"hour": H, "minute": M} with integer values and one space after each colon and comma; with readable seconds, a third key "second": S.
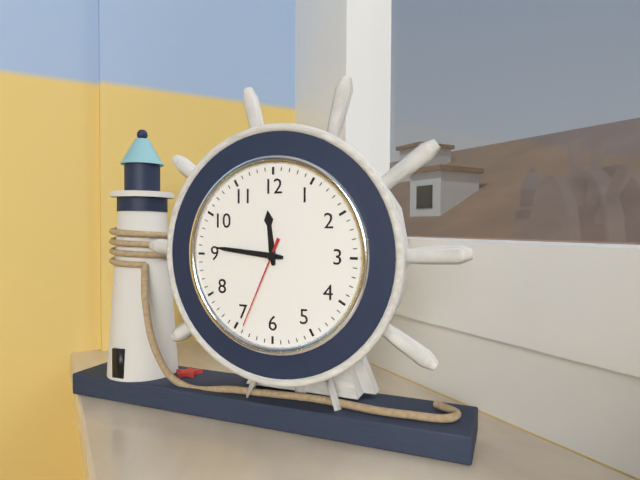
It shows {"hour": 11, "minute": 46, "second": 34}
